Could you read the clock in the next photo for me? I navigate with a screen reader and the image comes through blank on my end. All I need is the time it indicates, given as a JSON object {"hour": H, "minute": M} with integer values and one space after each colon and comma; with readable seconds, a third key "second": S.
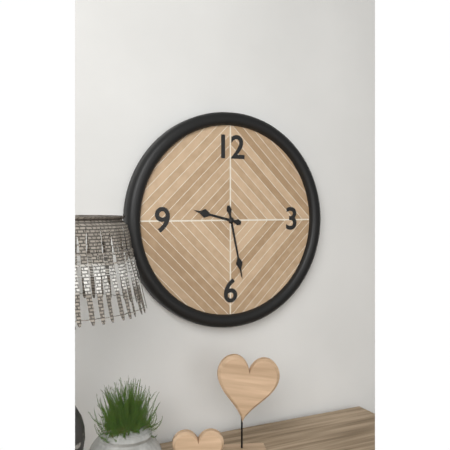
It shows {"hour": 9, "minute": 28}
